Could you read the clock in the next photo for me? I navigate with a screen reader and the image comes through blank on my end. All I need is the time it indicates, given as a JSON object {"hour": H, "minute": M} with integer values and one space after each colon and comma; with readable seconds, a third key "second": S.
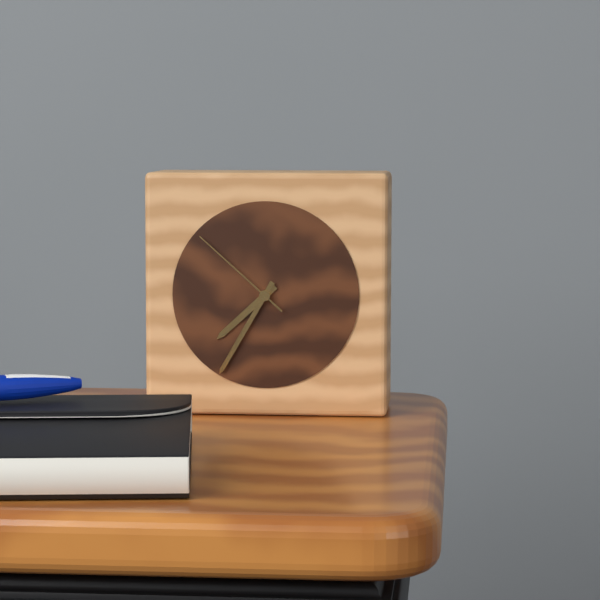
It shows {"hour": 7, "minute": 35, "second": 52}
